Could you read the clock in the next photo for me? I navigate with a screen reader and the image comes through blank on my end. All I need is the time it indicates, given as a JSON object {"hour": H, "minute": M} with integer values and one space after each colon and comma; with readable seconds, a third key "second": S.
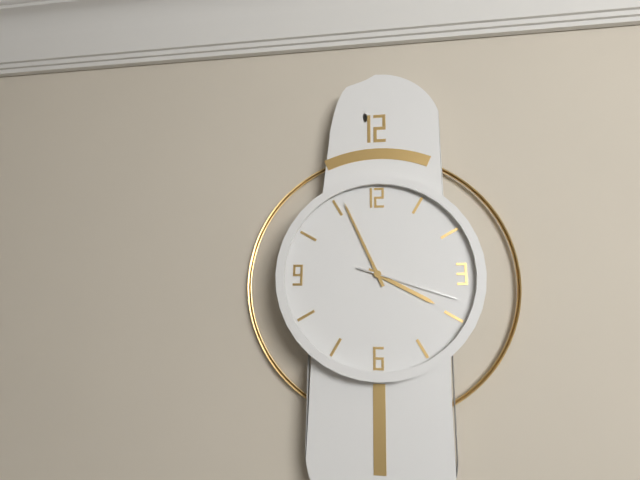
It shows {"hour": 3, "minute": 56, "second": 18}
